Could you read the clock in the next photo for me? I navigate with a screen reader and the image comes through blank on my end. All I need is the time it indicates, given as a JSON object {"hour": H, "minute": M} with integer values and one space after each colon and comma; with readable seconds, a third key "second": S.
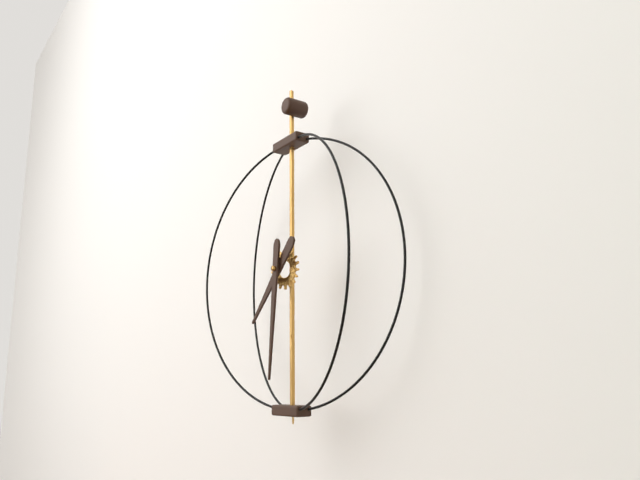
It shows {"hour": 7, "minute": 31}
